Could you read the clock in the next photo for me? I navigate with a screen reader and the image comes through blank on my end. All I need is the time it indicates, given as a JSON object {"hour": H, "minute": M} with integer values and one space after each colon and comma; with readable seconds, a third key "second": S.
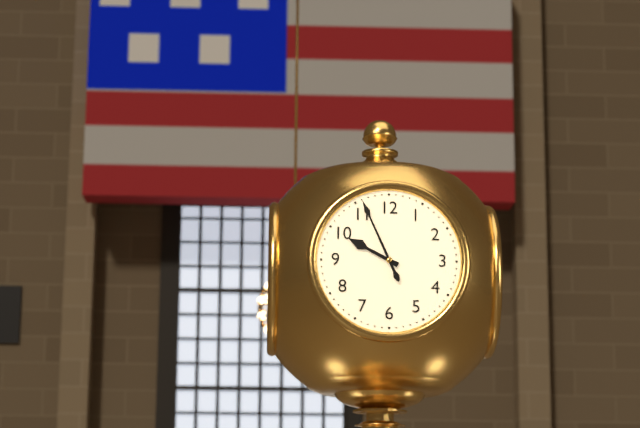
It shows {"hour": 9, "minute": 56}
